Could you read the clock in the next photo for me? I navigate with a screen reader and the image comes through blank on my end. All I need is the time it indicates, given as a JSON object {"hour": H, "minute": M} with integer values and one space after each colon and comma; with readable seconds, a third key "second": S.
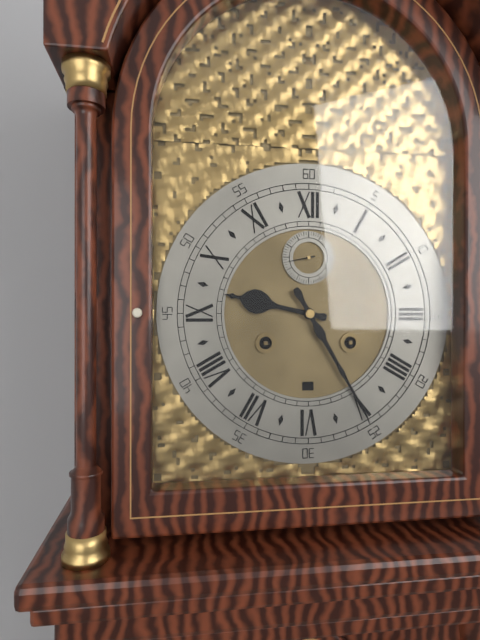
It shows {"hour": 9, "minute": 25}
